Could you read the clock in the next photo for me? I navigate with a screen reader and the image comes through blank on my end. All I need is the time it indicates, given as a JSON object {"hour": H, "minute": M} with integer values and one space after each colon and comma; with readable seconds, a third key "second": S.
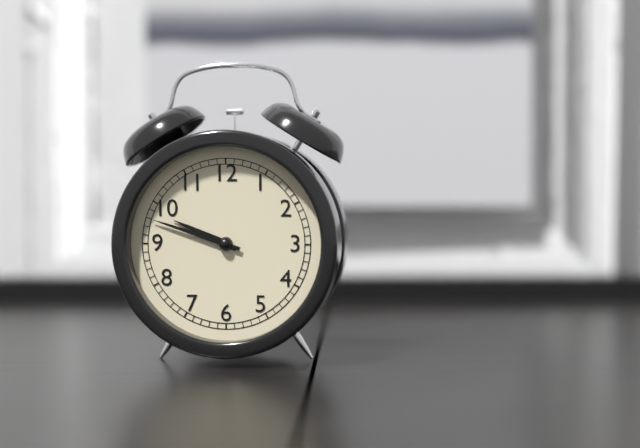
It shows {"hour": 9, "minute": 48}
